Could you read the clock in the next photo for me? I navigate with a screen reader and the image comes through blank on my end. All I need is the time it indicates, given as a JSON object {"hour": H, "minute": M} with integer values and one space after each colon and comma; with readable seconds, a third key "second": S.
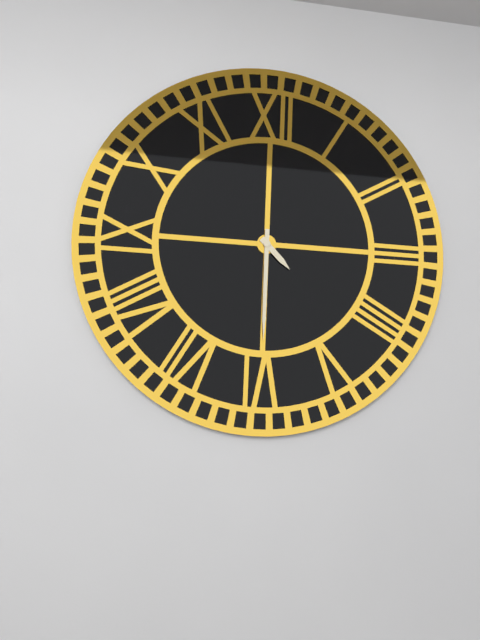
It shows {"hour": 4, "minute": 30}
